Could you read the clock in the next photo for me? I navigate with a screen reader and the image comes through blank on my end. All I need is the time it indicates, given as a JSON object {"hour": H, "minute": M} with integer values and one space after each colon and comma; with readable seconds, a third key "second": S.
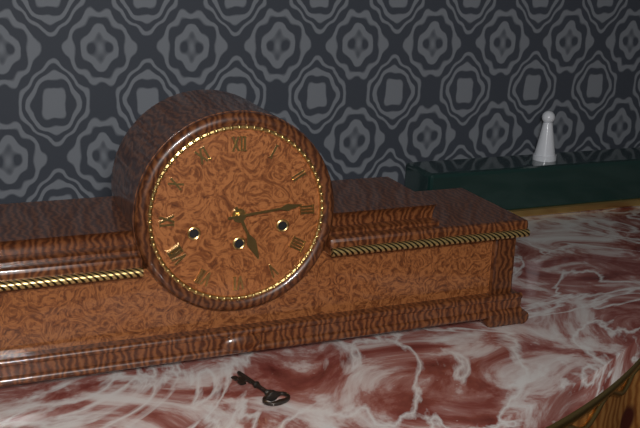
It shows {"hour": 5, "minute": 14}
